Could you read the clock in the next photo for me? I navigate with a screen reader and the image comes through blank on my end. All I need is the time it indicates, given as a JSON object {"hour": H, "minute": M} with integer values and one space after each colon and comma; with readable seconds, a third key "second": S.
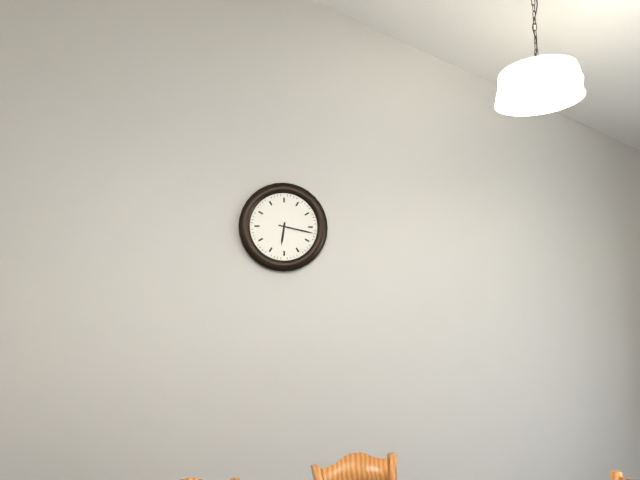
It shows {"hour": 6, "minute": 17}
